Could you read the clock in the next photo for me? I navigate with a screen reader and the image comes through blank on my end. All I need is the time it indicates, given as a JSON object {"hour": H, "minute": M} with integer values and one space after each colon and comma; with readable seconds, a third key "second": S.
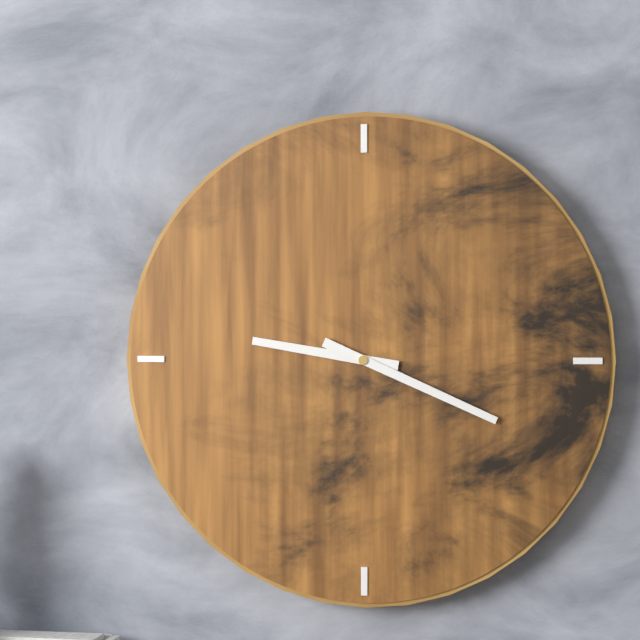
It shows {"hour": 9, "minute": 19}
